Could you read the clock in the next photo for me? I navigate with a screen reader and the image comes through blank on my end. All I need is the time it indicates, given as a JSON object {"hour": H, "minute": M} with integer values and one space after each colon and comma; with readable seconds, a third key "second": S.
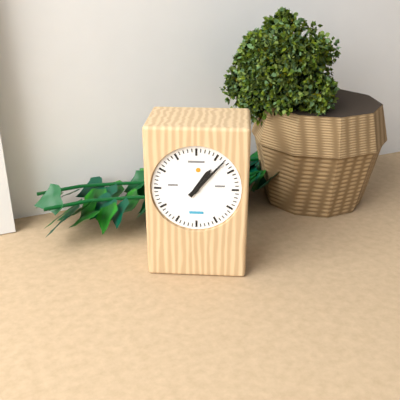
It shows {"hour": 1, "minute": 7}
